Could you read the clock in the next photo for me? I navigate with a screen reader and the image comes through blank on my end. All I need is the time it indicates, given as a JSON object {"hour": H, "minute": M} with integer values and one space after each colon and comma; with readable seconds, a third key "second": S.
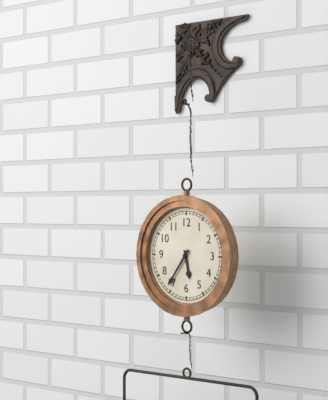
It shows {"hour": 5, "minute": 36}
